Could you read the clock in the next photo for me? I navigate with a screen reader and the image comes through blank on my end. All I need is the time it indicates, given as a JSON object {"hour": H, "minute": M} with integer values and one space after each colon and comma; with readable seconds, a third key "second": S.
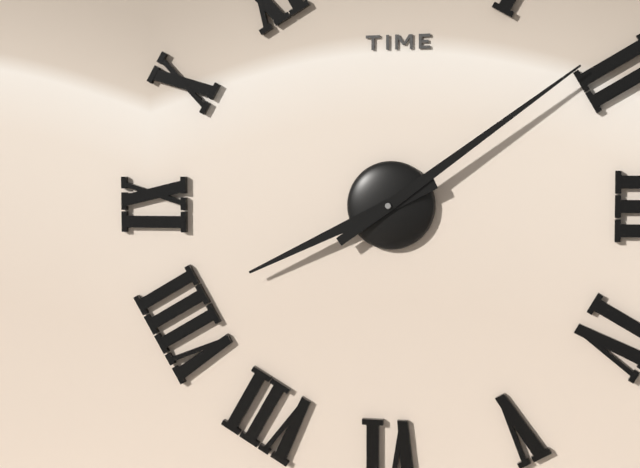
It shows {"hour": 8, "minute": 9}
